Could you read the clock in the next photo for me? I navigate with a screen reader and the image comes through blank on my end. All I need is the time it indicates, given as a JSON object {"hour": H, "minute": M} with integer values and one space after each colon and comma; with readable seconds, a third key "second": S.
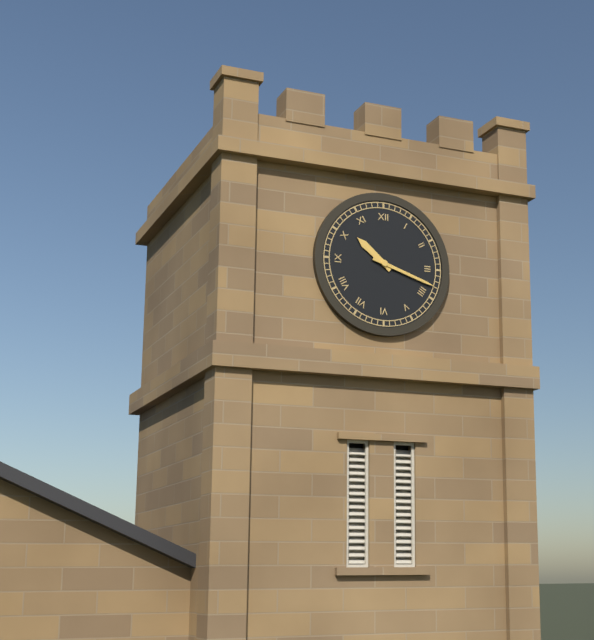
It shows {"hour": 10, "minute": 18}
